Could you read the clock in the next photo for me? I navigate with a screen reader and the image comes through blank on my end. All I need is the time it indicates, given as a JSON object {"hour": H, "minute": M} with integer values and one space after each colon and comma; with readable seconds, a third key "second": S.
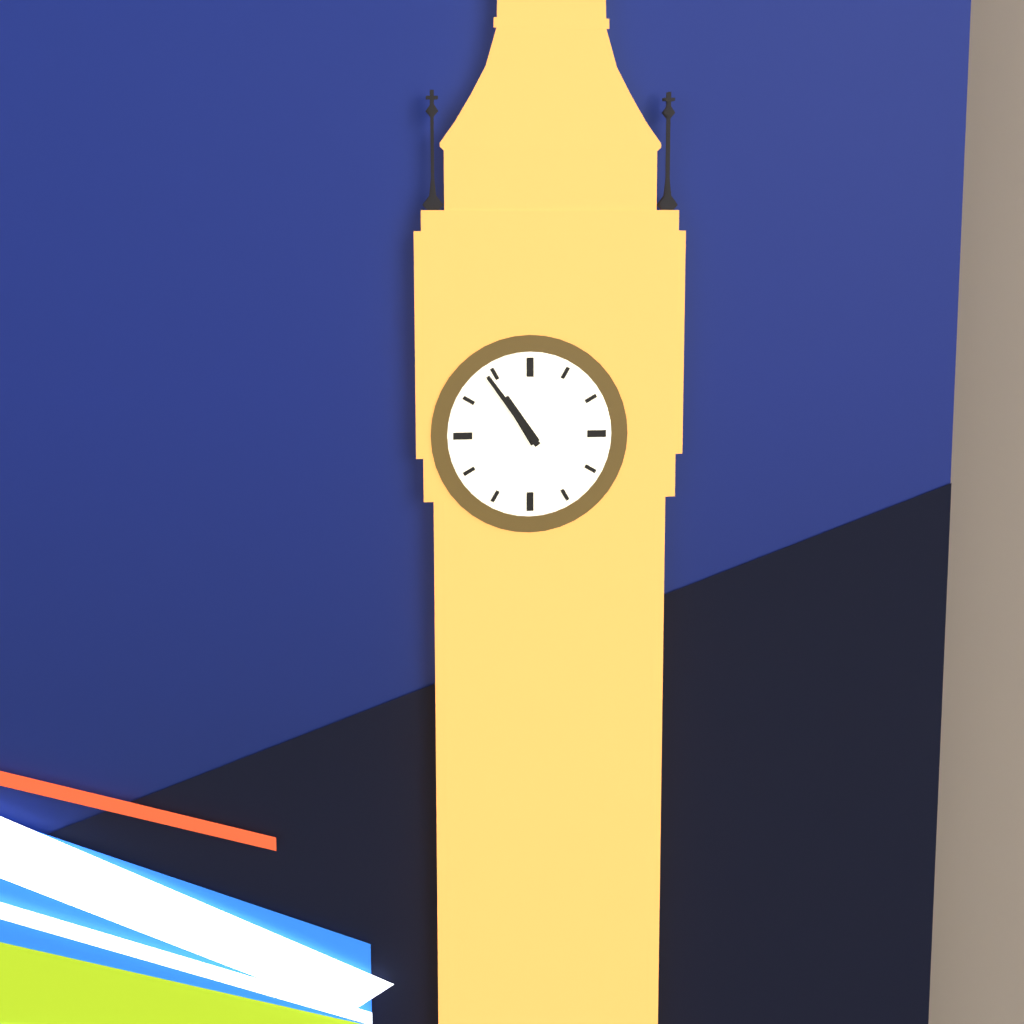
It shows {"hour": 10, "minute": 54}
